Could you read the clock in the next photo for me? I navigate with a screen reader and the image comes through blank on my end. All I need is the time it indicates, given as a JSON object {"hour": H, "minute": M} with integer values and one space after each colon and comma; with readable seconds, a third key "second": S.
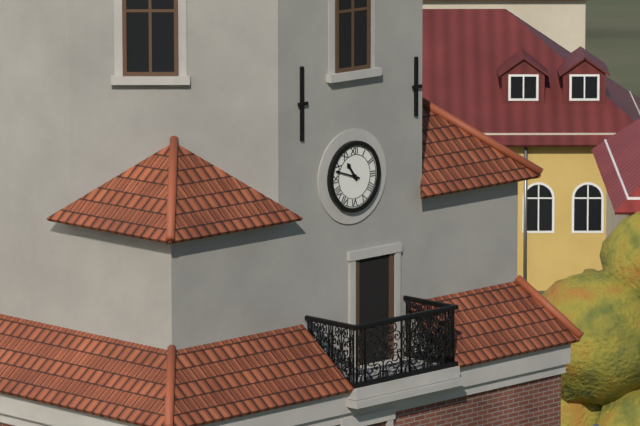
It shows {"hour": 10, "minute": 48}
